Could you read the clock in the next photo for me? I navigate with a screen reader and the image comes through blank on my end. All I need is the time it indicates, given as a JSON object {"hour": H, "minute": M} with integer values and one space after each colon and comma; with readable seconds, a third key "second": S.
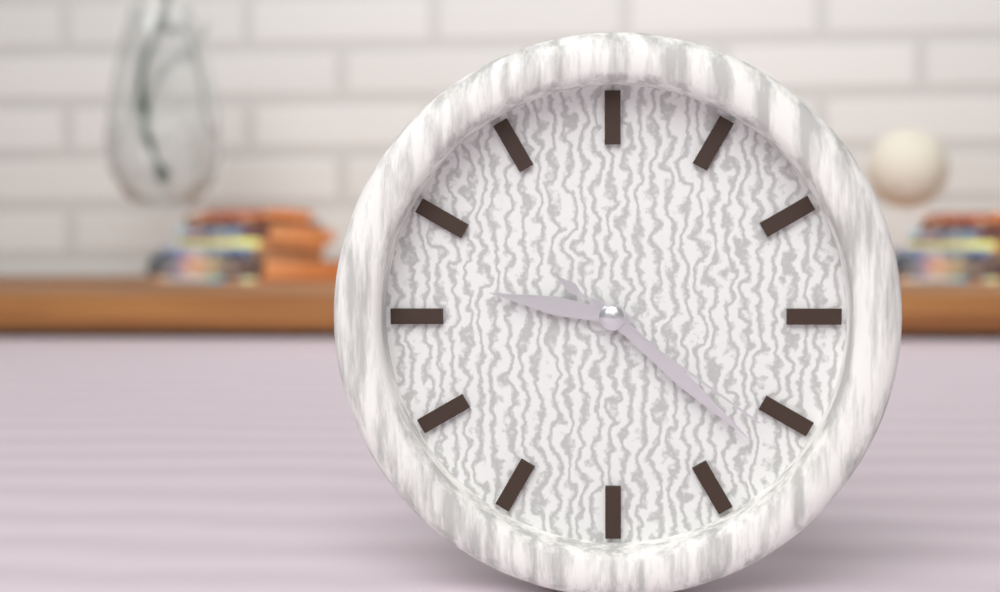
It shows {"hour": 9, "minute": 22, "second": 21}
